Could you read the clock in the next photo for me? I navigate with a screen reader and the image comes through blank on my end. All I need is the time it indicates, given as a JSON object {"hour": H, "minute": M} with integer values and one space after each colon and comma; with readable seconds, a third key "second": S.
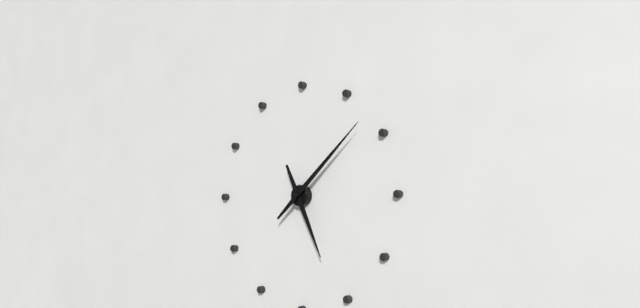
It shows {"hour": 5, "minute": 8}
